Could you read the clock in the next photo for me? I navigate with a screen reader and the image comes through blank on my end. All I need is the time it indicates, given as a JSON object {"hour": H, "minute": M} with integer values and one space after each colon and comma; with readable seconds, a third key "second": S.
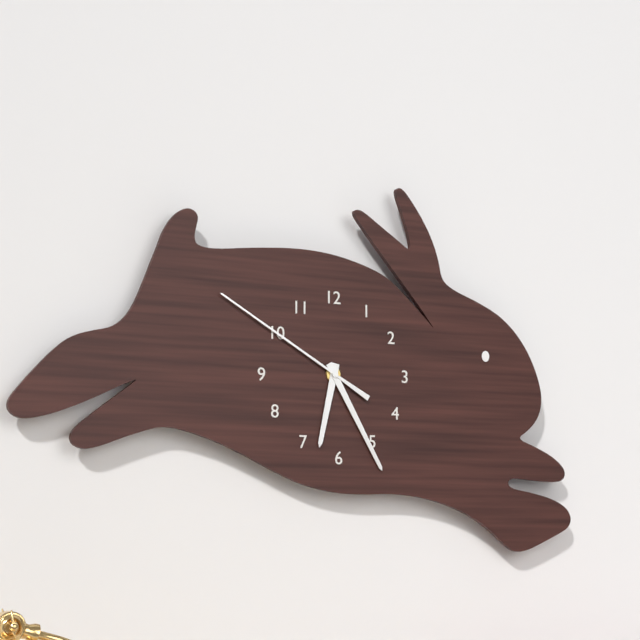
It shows {"hour": 6, "minute": 25, "second": 50}
